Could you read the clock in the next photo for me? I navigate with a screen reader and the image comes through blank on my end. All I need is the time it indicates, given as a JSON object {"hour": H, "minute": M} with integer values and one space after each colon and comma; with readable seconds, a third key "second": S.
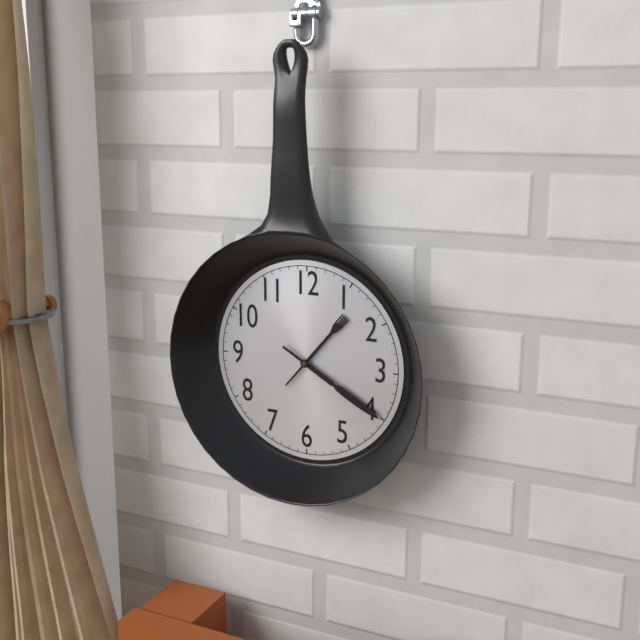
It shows {"hour": 1, "minute": 20}
